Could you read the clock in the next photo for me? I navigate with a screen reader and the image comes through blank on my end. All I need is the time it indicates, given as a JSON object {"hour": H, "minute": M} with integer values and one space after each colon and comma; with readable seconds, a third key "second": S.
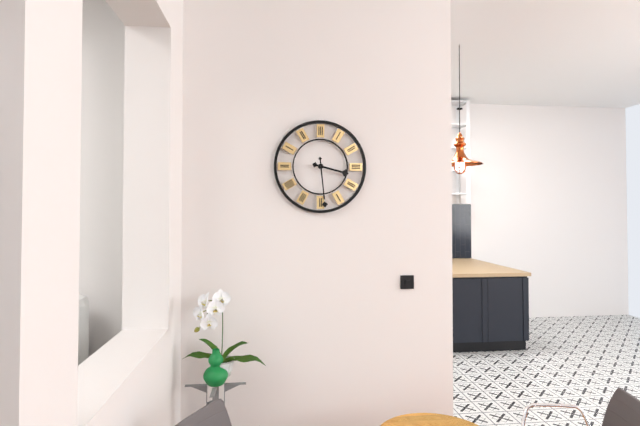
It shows {"hour": 3, "minute": 29}
